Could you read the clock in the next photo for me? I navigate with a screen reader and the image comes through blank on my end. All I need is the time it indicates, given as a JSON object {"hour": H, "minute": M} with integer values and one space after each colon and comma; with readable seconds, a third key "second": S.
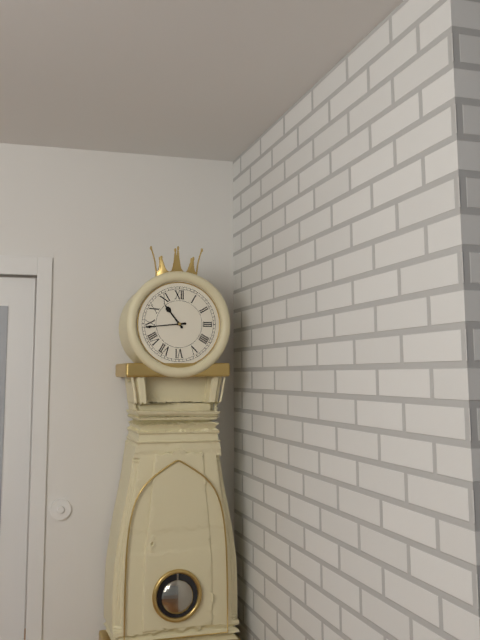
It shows {"hour": 10, "minute": 44}
